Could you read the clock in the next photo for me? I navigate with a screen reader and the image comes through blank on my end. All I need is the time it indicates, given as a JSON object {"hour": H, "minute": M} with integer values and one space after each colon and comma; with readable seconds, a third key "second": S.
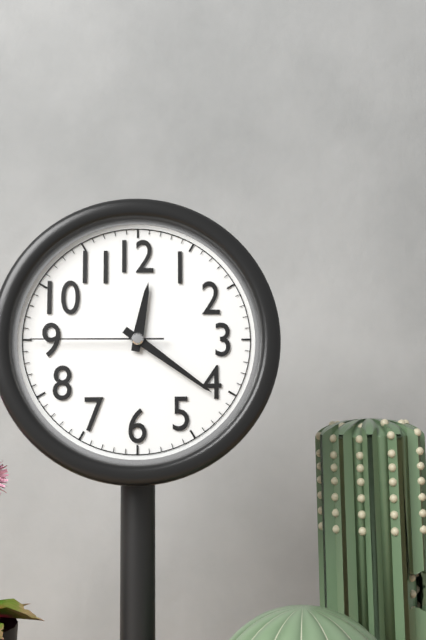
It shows {"hour": 12, "minute": 21, "second": 45}
